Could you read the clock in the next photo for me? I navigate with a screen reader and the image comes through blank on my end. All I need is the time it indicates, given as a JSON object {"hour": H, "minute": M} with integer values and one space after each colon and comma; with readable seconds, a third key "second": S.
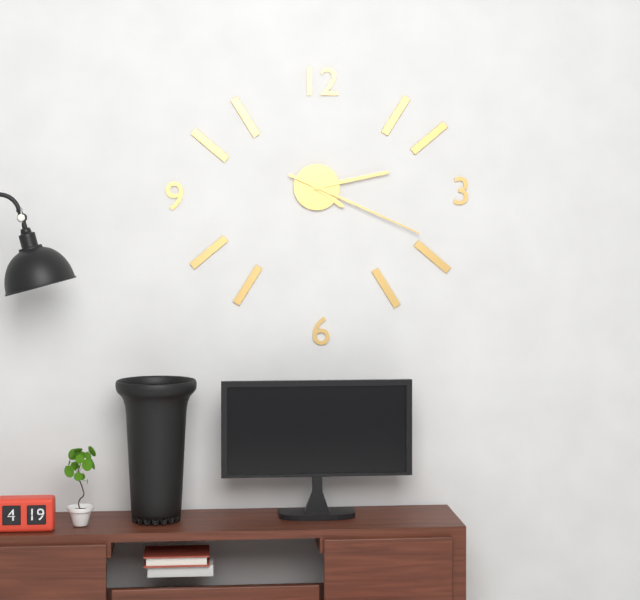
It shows {"hour": 4, "minute": 13, "second": 19}
